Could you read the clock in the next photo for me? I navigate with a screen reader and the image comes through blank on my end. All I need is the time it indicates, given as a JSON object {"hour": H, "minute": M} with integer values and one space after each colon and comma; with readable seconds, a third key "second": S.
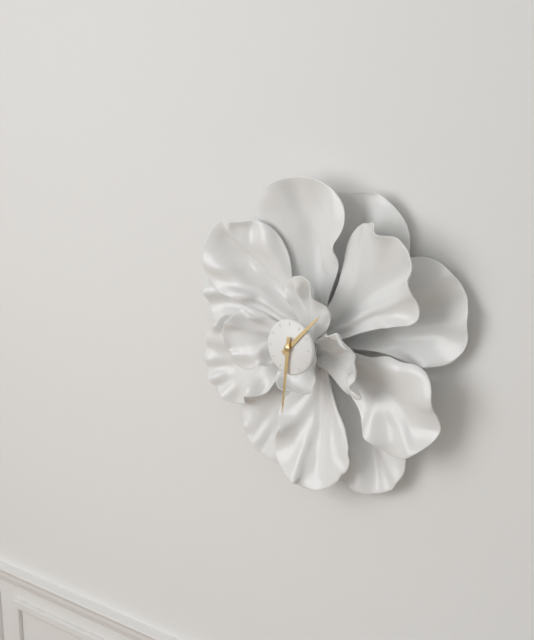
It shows {"hour": 1, "minute": 31}
